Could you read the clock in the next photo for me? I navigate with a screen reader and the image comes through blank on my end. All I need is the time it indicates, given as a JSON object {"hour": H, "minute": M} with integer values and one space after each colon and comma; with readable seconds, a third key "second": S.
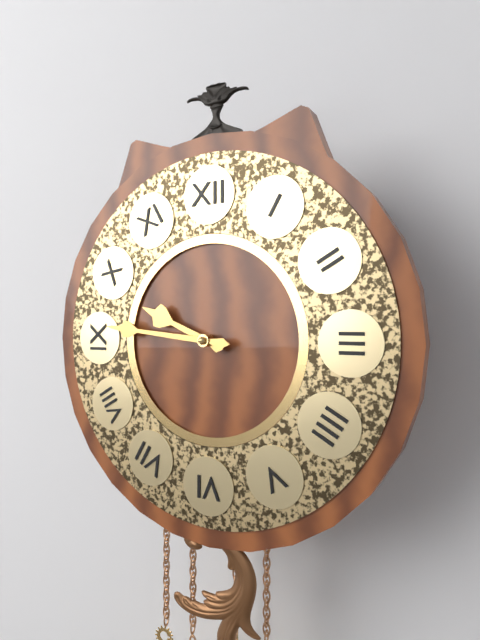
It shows {"hour": 9, "minute": 46}
